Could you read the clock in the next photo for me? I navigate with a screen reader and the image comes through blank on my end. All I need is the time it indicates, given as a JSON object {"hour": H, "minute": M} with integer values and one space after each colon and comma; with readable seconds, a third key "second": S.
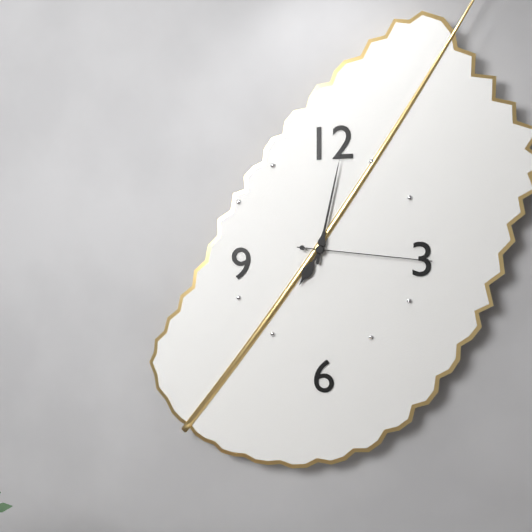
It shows {"hour": 7, "minute": 2, "second": 16}
